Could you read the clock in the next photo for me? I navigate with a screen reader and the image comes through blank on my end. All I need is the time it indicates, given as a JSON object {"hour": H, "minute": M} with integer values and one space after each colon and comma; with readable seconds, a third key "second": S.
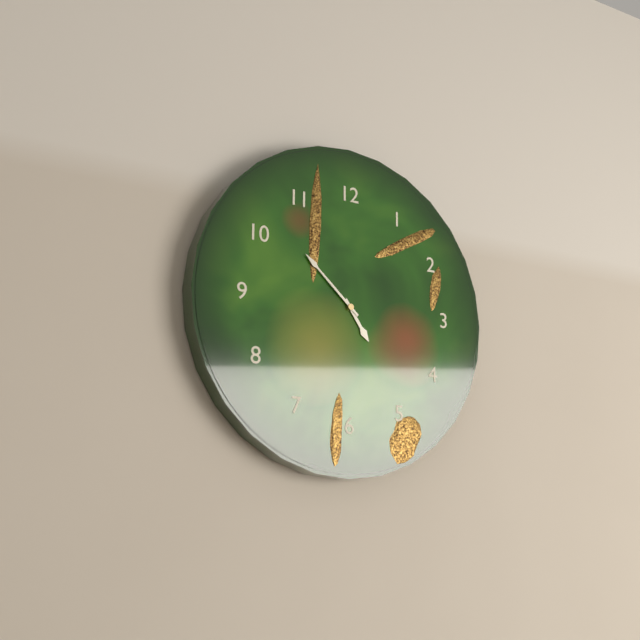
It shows {"hour": 4, "minute": 52}
